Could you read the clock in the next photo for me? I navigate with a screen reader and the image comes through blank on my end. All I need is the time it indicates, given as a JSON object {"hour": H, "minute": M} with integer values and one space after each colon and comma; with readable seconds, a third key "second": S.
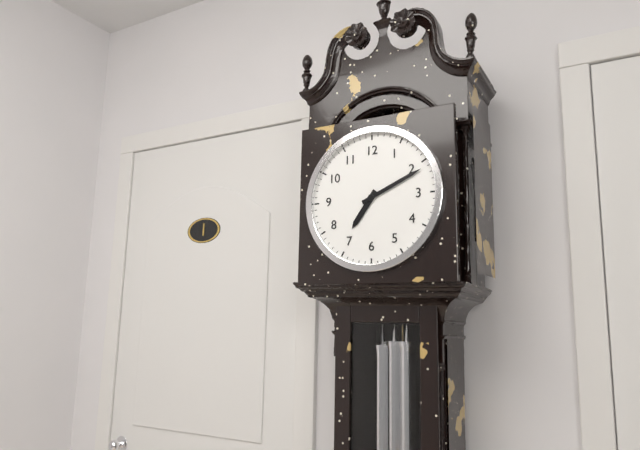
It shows {"hour": 7, "minute": 11}
